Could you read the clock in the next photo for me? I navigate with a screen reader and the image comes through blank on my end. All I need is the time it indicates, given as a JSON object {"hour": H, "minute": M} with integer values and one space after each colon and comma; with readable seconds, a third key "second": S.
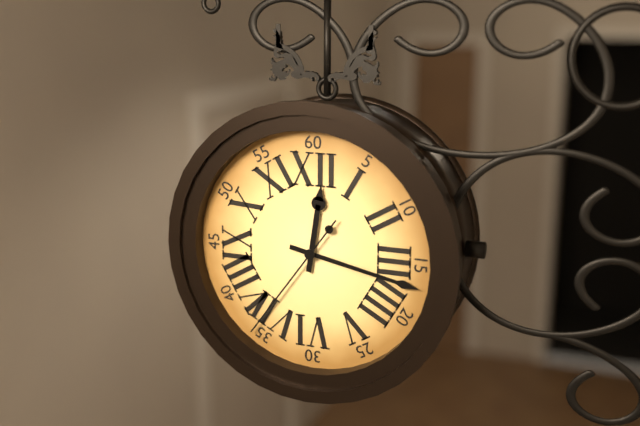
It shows {"hour": 12, "minute": 17, "second": 36}
